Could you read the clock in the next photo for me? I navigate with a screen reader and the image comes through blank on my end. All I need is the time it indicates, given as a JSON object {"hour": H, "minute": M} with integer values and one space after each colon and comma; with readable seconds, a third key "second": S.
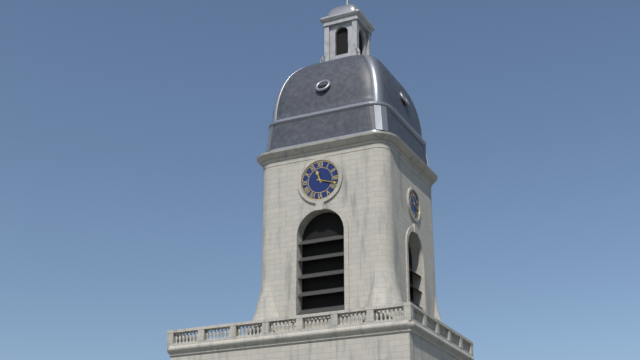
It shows {"hour": 11, "minute": 18}
